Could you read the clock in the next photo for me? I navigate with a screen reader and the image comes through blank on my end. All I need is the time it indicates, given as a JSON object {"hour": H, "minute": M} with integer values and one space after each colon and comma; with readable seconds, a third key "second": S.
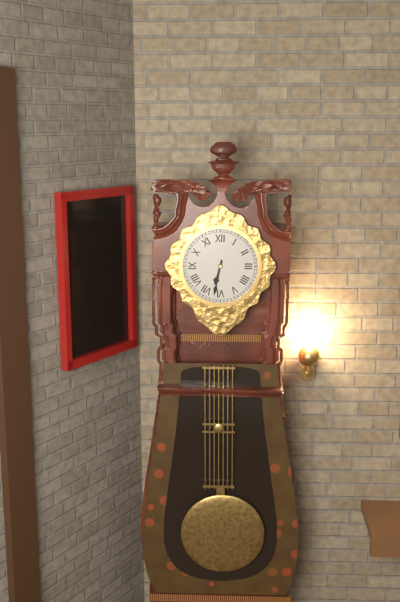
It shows {"hour": 6, "minute": 32}
